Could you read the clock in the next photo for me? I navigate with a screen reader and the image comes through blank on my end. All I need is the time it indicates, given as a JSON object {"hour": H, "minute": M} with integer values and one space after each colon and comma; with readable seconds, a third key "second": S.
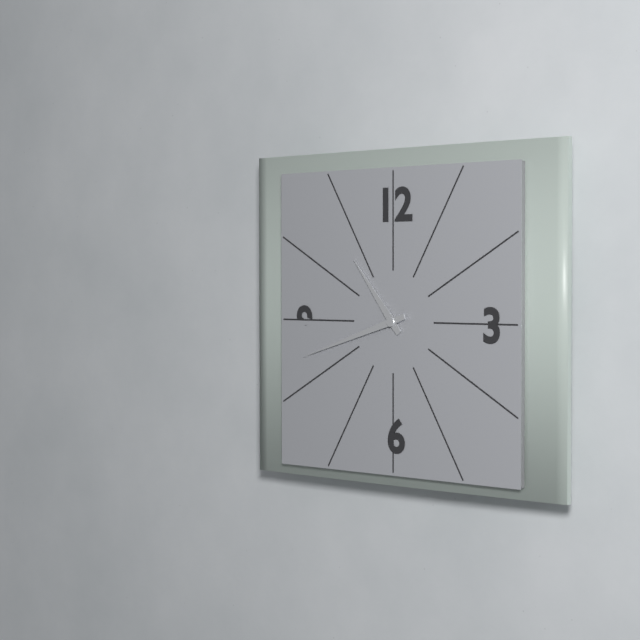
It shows {"hour": 10, "minute": 42}
